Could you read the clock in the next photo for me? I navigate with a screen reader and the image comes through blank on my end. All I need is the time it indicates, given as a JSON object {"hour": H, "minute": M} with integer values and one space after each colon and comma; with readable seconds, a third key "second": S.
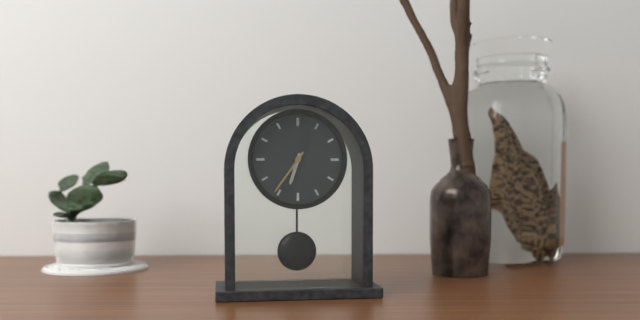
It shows {"hour": 6, "minute": 36}
